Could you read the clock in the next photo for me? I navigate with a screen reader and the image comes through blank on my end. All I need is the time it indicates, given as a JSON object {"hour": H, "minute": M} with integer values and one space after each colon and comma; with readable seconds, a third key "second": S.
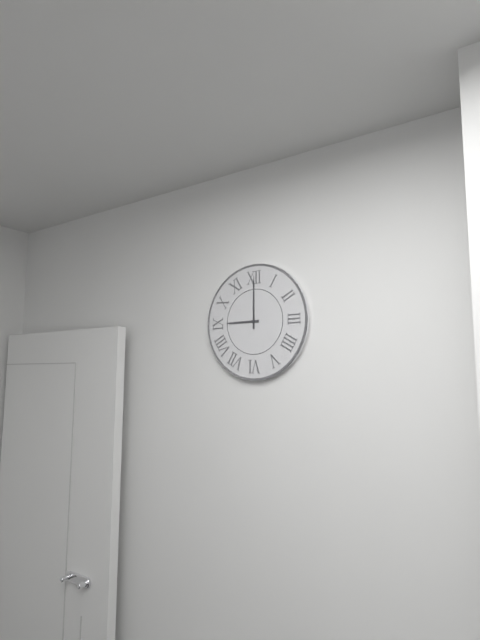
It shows {"hour": 9, "minute": 0}
